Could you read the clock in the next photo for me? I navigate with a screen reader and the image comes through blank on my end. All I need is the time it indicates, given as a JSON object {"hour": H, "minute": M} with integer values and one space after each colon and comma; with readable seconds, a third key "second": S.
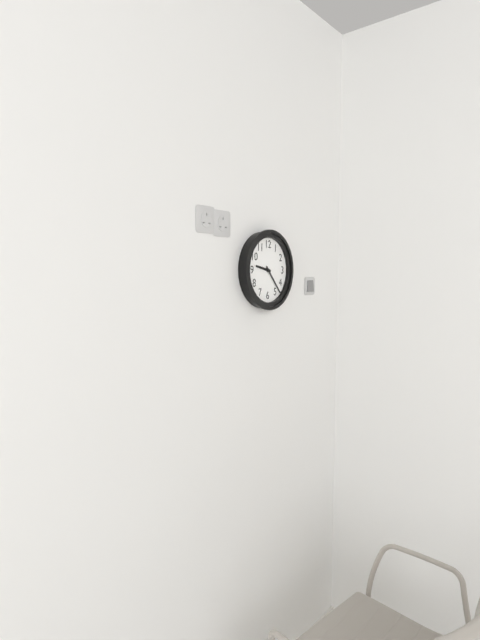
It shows {"hour": 9, "minute": 23}
